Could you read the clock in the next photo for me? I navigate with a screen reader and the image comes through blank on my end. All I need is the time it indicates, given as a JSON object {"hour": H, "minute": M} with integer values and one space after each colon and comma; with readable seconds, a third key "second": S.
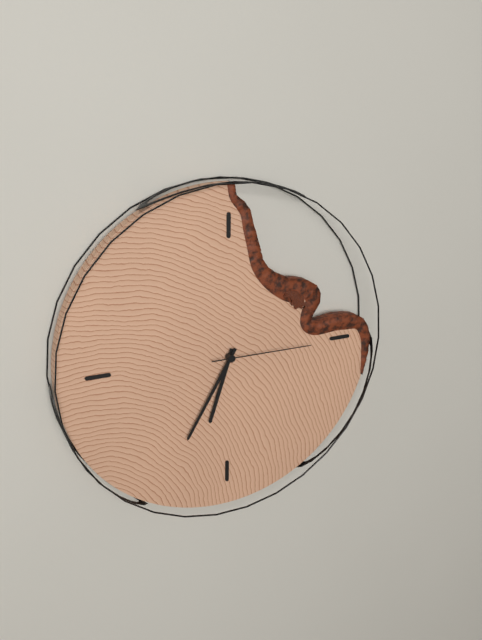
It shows {"hour": 6, "minute": 35, "second": 15}
